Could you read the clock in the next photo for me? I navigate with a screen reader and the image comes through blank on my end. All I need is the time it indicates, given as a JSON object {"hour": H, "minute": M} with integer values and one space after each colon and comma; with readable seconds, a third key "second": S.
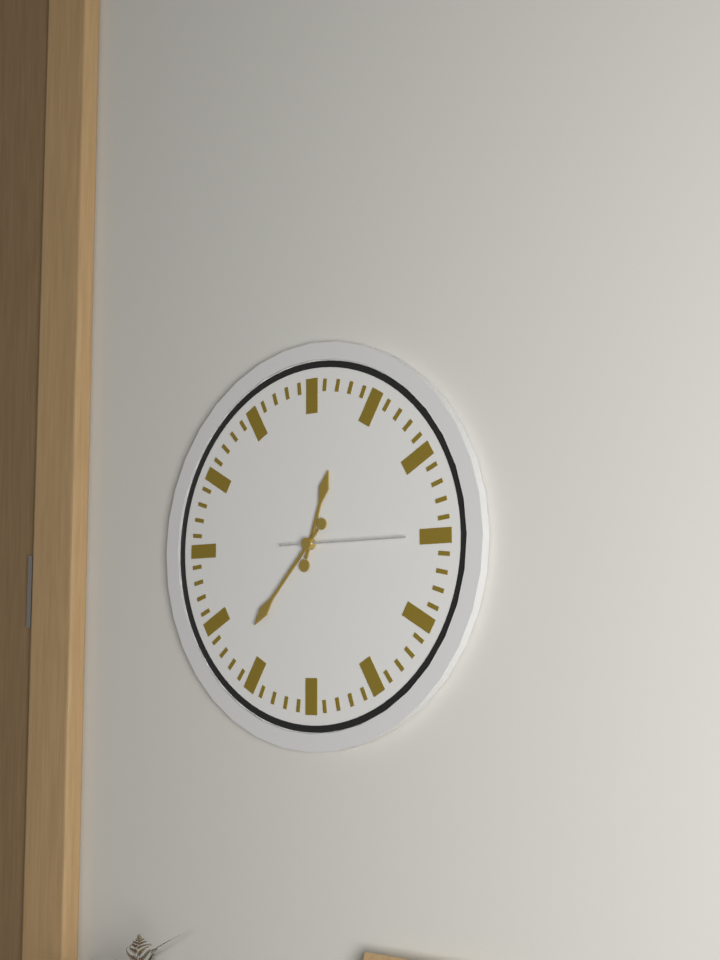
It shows {"hour": 12, "minute": 37, "second": 15}
